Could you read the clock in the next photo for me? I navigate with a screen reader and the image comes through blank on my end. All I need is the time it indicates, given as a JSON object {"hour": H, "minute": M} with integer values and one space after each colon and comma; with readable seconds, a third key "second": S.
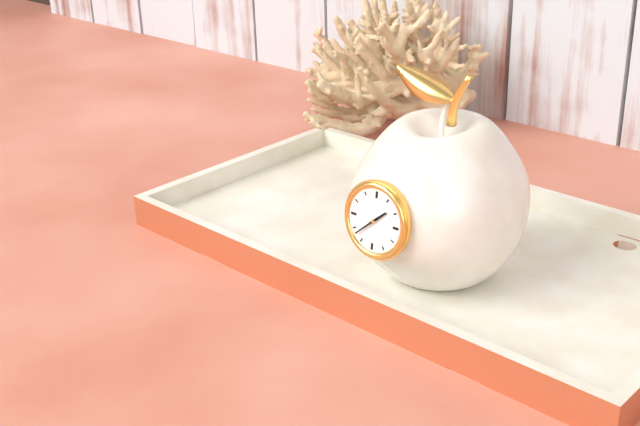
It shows {"hour": 1, "minute": 38}
